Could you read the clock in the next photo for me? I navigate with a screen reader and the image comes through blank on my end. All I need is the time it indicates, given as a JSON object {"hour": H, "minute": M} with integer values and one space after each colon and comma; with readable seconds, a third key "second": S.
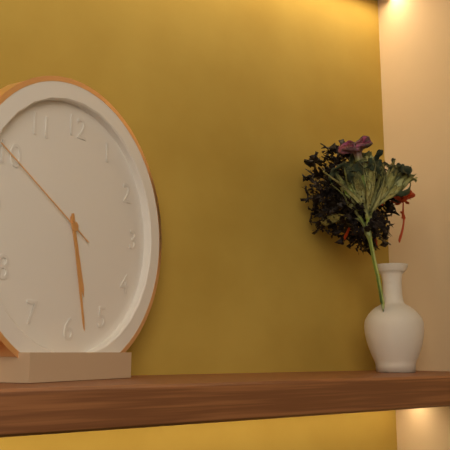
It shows {"hour": 5, "minute": 28, "second": 50}
